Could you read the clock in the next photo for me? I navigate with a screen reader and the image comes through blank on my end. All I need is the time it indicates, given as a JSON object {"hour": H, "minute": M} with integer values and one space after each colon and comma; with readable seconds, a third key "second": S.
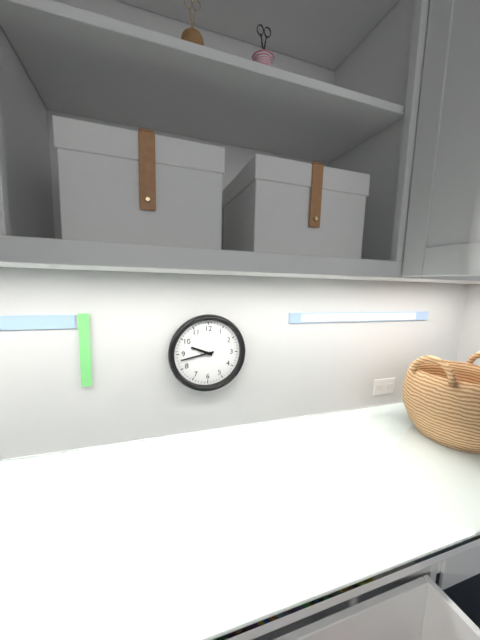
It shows {"hour": 9, "minute": 43}
